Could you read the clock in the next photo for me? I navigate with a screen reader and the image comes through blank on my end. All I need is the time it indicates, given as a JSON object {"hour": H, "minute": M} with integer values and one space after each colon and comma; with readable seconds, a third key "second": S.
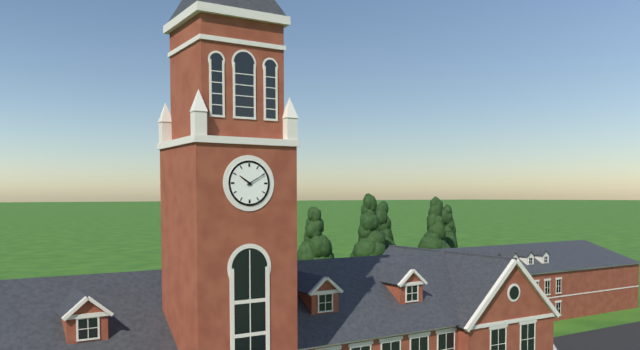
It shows {"hour": 10, "minute": 10}
